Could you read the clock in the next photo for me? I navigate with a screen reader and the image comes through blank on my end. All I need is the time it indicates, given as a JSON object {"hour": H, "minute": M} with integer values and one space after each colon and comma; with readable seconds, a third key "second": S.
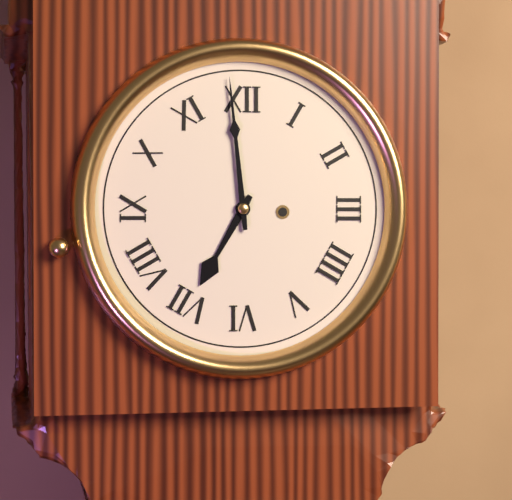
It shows {"hour": 6, "minute": 59}
